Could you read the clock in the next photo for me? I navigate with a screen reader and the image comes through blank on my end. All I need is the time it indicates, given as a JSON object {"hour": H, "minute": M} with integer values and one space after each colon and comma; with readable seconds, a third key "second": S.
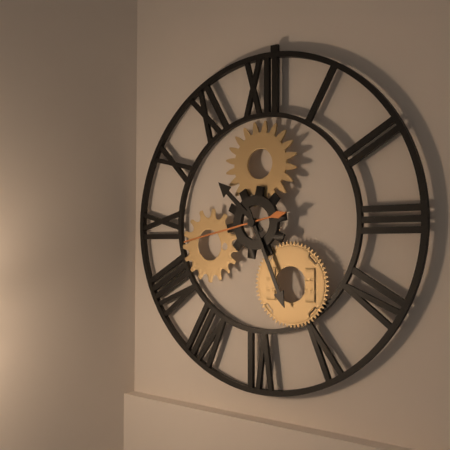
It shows {"hour": 10, "minute": 26, "second": 43}
